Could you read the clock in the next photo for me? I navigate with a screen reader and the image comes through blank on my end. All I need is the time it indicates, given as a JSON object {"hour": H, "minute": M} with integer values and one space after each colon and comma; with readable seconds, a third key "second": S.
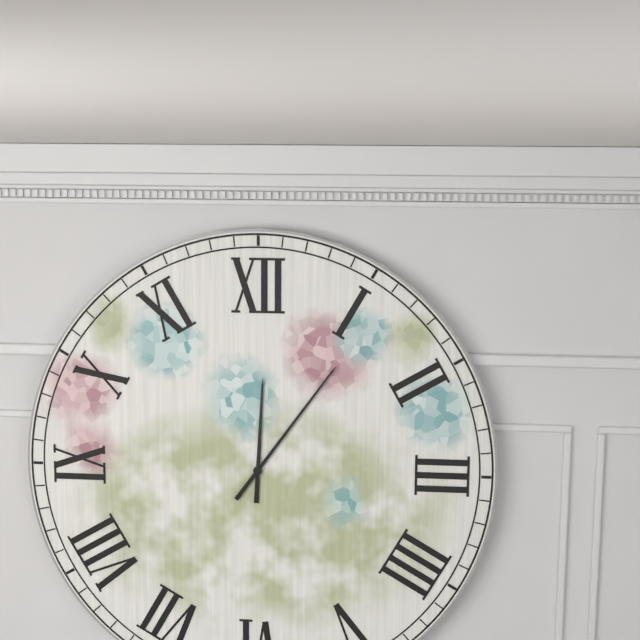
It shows {"hour": 12, "minute": 6}
